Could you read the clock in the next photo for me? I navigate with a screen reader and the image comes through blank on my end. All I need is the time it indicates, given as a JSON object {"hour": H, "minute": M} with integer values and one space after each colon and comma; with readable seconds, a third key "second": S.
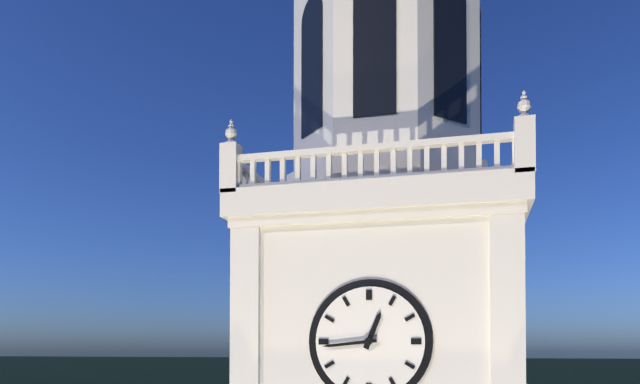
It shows {"hour": 12, "minute": 44}
